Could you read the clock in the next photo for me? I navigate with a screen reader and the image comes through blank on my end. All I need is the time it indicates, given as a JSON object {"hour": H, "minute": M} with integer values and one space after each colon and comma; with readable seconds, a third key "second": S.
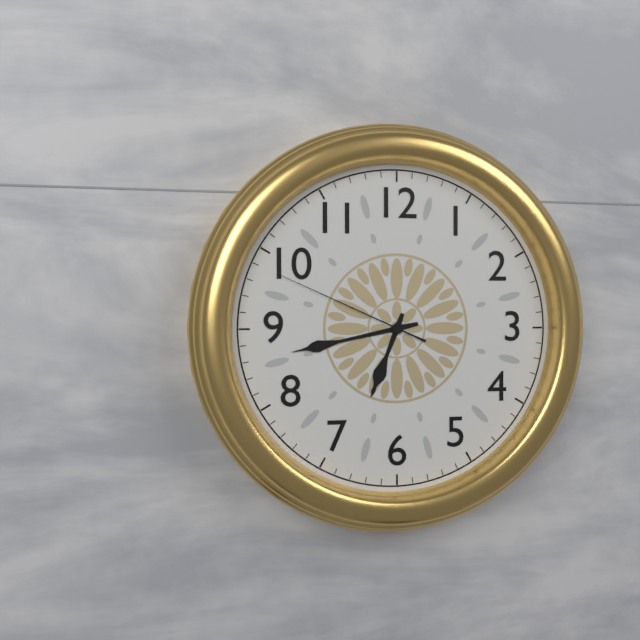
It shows {"hour": 6, "minute": 43, "second": 49}
